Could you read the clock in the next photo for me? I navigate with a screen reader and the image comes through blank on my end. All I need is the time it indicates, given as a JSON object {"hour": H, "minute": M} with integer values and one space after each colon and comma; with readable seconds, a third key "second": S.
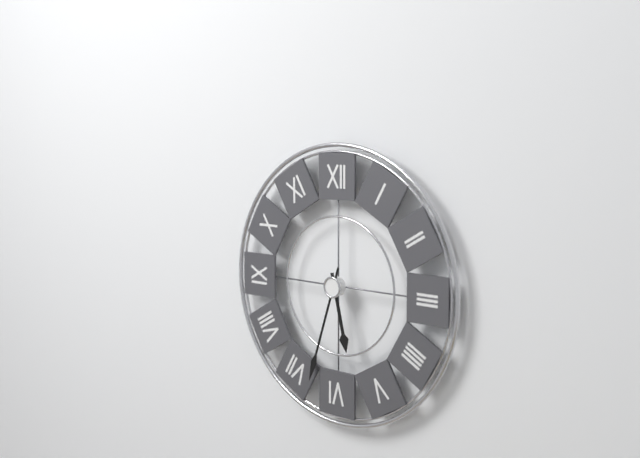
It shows {"hour": 5, "minute": 33}
